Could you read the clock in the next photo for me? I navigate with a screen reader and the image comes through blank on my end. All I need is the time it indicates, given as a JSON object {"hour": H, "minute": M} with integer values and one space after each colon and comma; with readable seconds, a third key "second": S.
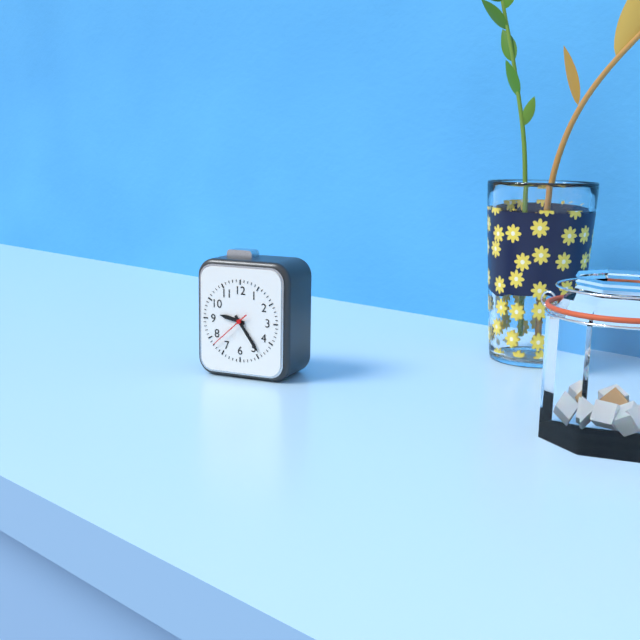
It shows {"hour": 9, "minute": 24}
